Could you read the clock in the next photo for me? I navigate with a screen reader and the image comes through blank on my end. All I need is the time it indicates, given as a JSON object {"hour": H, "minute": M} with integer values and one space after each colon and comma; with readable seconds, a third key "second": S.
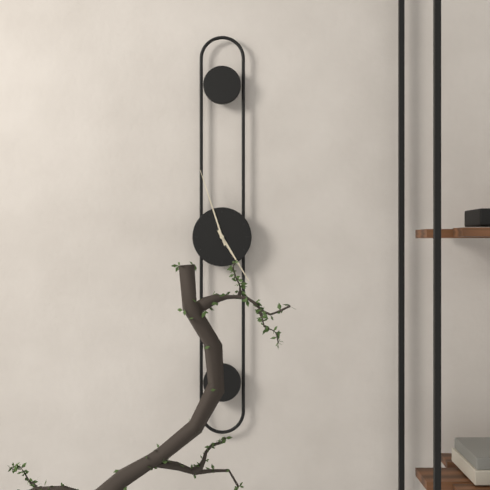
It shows {"hour": 4, "minute": 57}
